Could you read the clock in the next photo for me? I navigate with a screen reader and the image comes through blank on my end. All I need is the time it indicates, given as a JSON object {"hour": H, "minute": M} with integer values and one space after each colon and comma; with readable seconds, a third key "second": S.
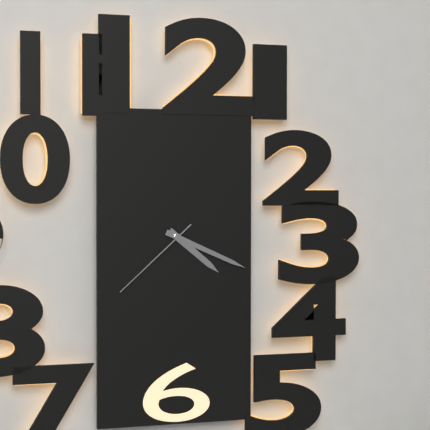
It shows {"hour": 4, "minute": 19, "second": 38}
